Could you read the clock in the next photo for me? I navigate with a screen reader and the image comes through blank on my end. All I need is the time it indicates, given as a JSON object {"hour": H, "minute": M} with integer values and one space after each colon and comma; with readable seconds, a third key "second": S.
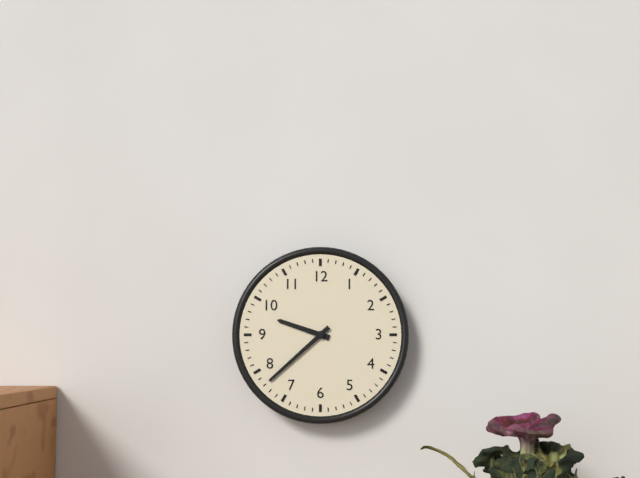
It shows {"hour": 9, "minute": 38}
